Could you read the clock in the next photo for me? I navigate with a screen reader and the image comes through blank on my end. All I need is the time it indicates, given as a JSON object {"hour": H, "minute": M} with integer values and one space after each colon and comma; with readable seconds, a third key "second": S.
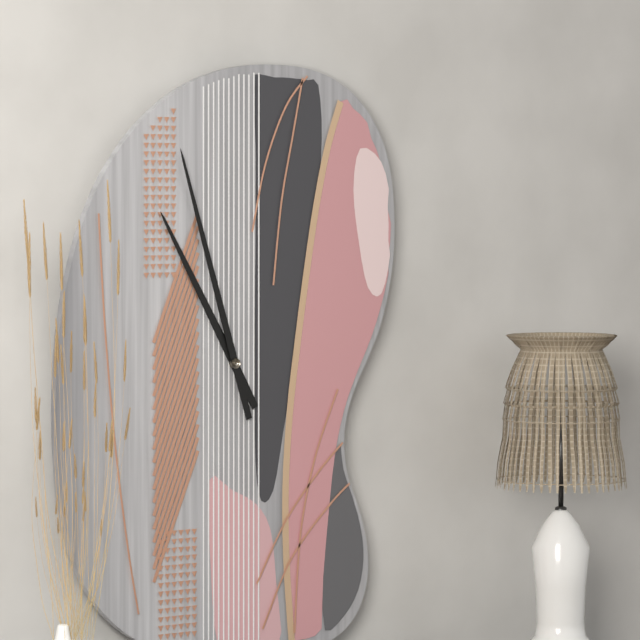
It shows {"hour": 10, "minute": 57}
